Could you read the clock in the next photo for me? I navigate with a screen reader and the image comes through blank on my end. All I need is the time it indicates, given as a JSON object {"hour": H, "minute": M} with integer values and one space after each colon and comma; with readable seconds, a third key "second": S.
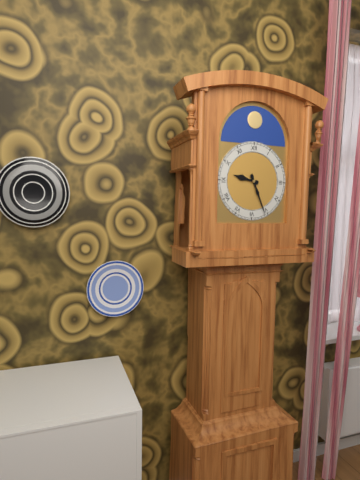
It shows {"hour": 9, "minute": 26}
